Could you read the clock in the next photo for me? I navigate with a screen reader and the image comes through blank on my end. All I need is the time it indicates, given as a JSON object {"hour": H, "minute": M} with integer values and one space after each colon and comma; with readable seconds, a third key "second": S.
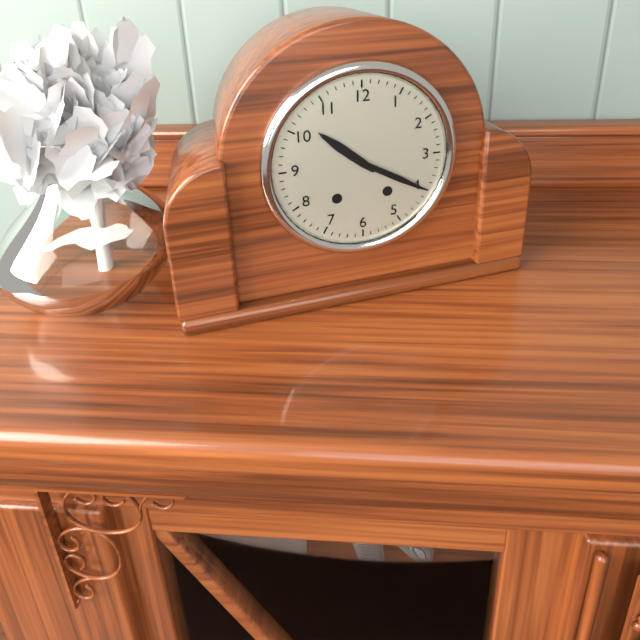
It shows {"hour": 10, "minute": 20}
